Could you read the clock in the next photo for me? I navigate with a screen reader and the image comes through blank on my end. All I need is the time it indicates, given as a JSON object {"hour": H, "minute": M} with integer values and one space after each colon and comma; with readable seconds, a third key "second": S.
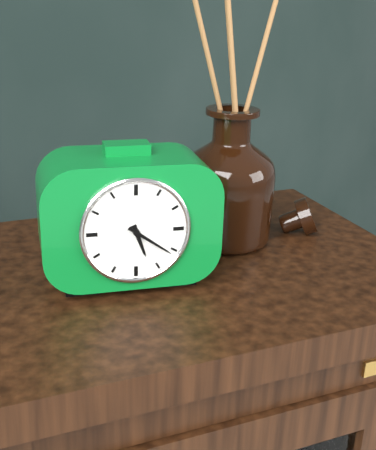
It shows {"hour": 5, "minute": 21}
